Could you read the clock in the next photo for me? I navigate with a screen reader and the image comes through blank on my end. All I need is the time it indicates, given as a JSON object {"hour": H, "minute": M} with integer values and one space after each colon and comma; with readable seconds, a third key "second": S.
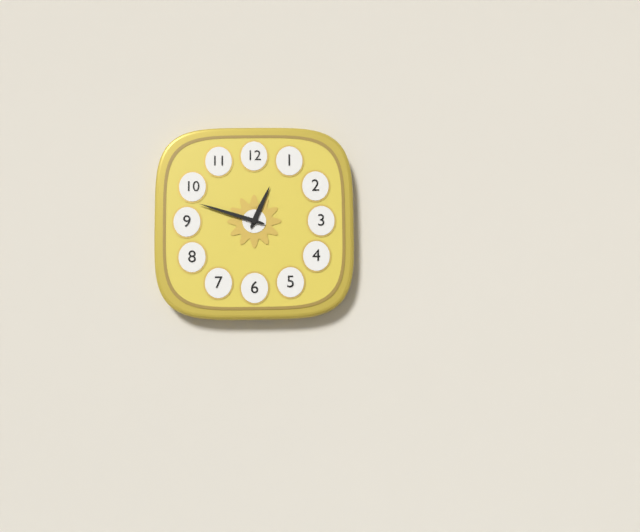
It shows {"hour": 12, "minute": 48}
